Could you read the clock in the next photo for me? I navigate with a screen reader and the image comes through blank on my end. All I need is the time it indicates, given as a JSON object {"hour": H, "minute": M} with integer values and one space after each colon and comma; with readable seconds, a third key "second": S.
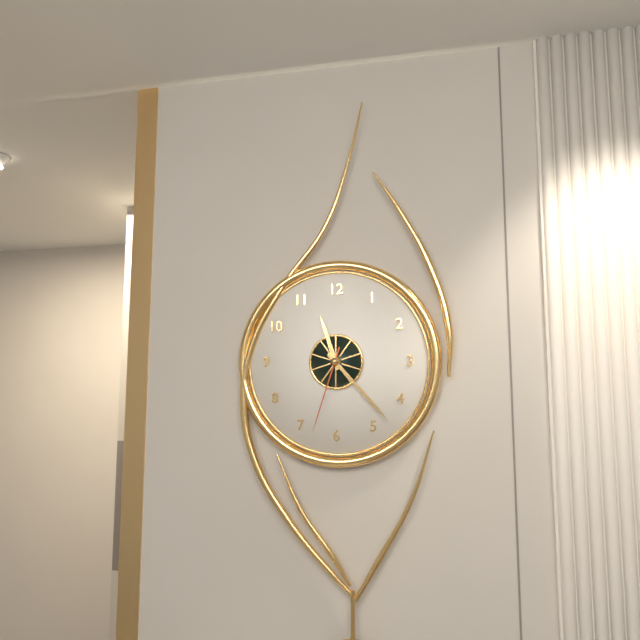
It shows {"hour": 11, "minute": 23, "second": 33}
